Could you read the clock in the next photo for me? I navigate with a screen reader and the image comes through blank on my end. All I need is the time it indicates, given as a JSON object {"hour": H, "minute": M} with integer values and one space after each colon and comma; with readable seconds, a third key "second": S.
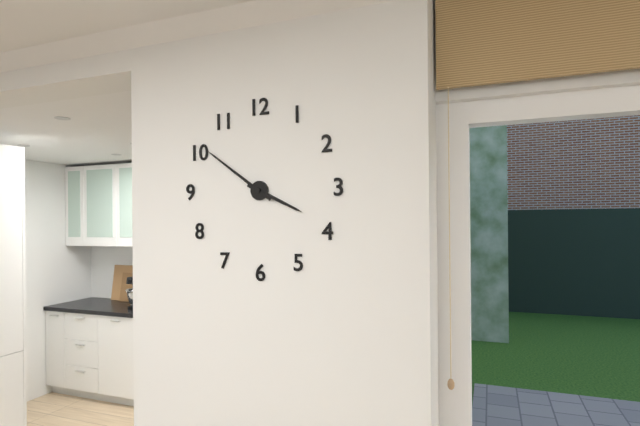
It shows {"hour": 3, "minute": 51}
